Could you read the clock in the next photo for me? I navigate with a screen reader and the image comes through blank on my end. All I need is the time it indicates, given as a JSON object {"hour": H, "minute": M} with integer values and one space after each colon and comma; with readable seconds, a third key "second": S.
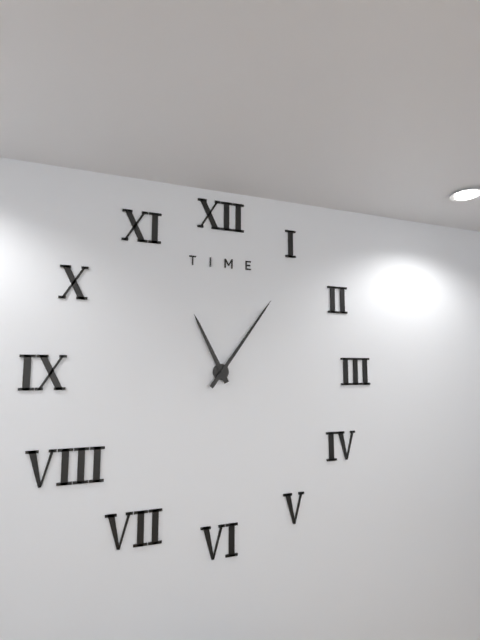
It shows {"hour": 11, "minute": 6}
